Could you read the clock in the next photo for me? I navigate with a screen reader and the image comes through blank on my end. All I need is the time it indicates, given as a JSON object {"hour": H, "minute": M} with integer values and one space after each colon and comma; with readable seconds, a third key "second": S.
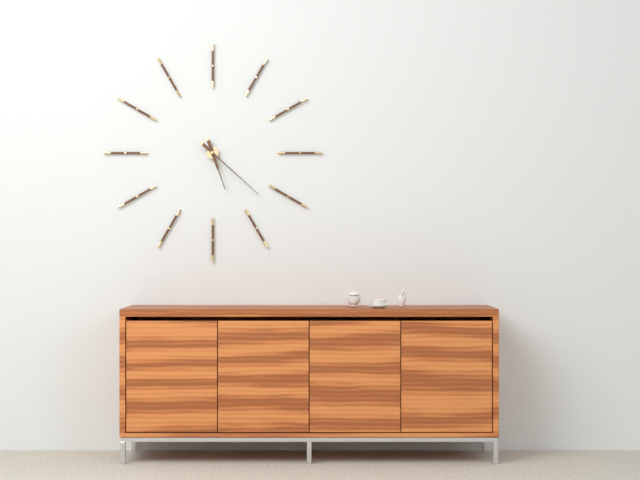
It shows {"hour": 5, "minute": 22}
